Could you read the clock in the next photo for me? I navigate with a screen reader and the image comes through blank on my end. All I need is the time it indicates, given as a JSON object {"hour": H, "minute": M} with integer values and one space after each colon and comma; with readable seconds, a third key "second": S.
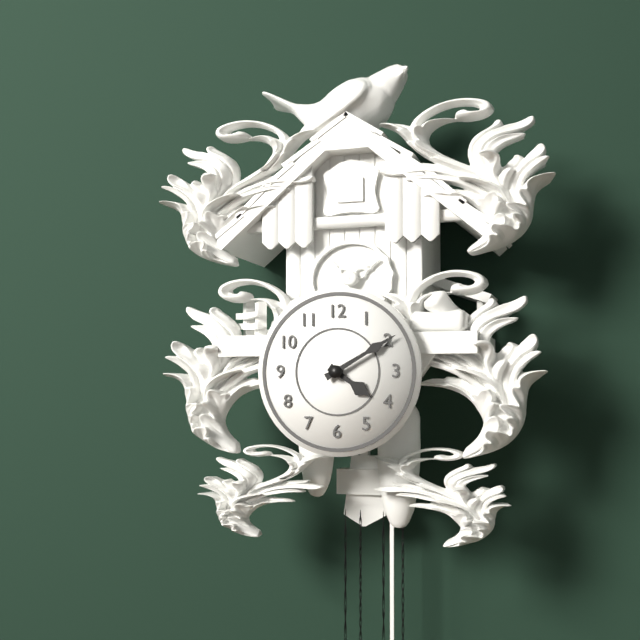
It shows {"hour": 4, "minute": 10}
